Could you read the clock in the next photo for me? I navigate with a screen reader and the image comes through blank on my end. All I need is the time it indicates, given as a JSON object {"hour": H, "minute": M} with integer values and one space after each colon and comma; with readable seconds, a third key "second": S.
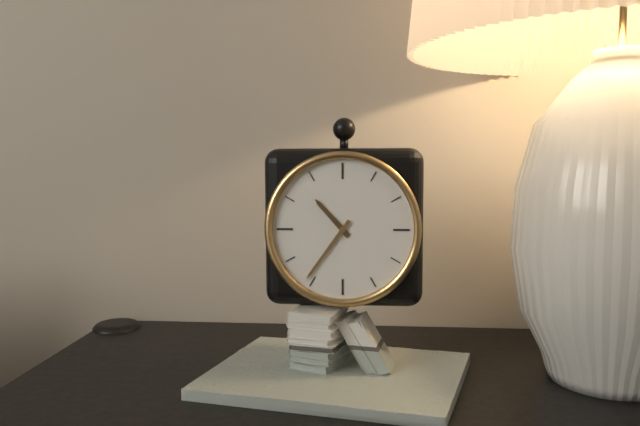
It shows {"hour": 10, "minute": 36}
